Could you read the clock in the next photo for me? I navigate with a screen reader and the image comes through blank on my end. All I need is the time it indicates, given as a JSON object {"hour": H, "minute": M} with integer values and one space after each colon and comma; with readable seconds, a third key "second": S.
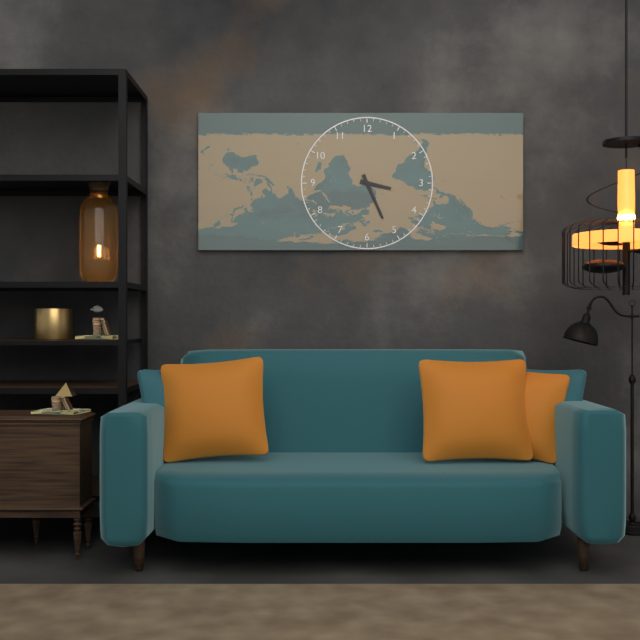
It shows {"hour": 3, "minute": 26}
